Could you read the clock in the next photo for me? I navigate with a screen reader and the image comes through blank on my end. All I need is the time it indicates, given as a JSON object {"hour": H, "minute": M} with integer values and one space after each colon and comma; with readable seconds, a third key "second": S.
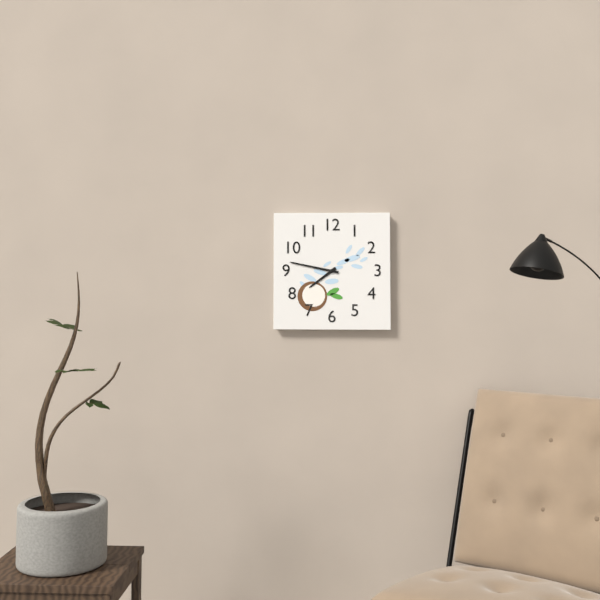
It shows {"hour": 7, "minute": 47}
